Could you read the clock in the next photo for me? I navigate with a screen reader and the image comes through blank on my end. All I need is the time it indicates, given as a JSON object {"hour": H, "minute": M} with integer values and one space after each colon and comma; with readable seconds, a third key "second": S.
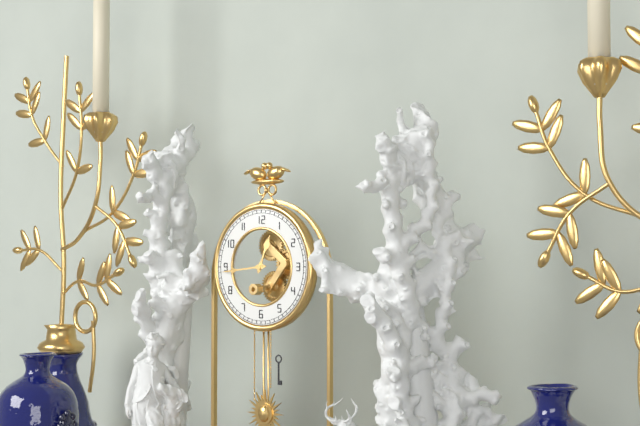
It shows {"hour": 12, "minute": 44}
